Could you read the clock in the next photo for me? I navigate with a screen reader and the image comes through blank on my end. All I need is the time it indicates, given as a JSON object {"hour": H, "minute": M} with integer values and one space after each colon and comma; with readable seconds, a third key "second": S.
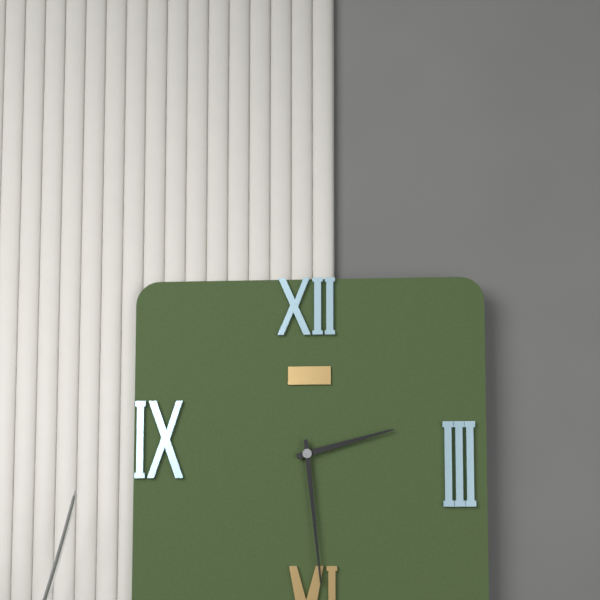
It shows {"hour": 2, "minute": 29}
